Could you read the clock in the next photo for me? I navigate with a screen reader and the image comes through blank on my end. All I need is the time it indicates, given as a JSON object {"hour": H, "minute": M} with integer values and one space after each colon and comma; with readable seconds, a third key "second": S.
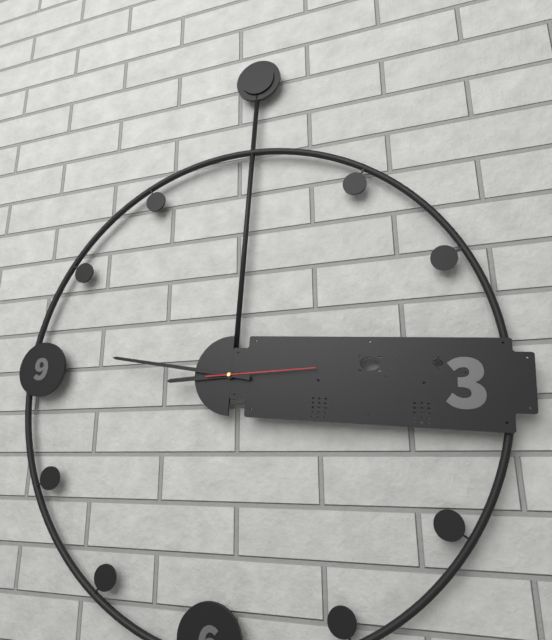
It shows {"hour": 8, "minute": 46, "second": 14}
